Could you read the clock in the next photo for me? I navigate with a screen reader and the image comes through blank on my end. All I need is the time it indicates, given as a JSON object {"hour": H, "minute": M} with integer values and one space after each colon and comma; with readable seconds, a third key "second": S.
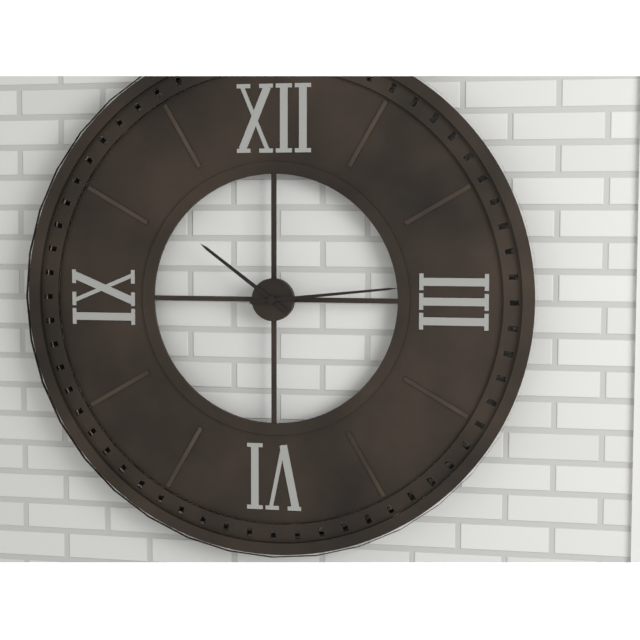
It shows {"hour": 10, "minute": 14}
